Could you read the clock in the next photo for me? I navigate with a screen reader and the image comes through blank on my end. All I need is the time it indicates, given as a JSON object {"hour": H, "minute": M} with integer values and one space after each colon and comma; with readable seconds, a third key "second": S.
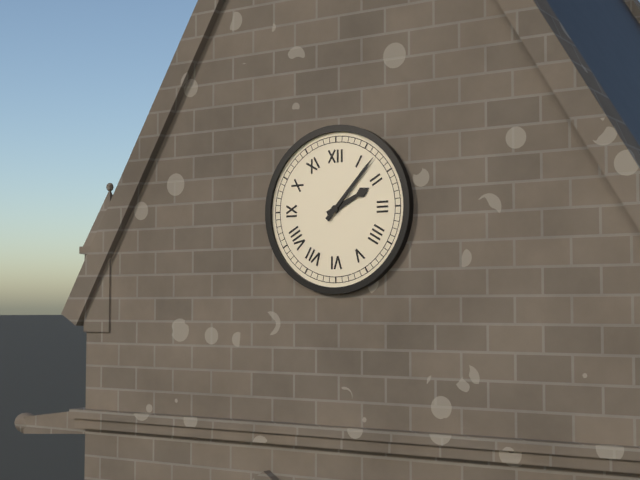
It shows {"hour": 2, "minute": 7}
